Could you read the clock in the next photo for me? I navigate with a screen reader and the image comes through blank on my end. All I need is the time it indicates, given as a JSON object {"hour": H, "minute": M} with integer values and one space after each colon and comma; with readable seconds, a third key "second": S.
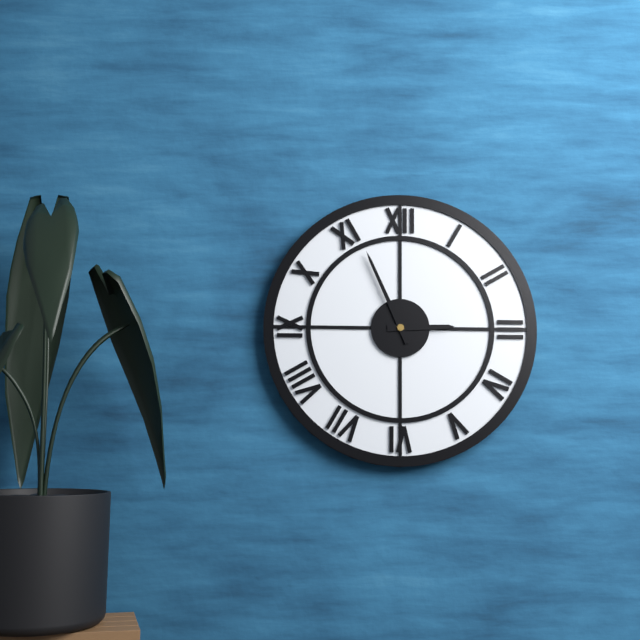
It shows {"hour": 2, "minute": 56}
